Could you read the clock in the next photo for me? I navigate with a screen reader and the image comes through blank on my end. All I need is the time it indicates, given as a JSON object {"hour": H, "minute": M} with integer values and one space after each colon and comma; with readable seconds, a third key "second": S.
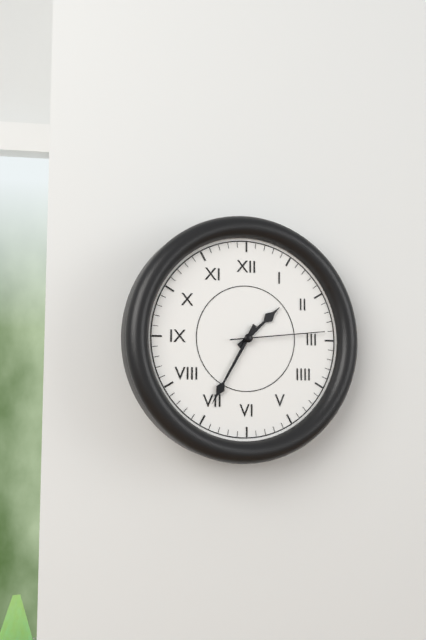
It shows {"hour": 1, "minute": 35, "second": 14}
